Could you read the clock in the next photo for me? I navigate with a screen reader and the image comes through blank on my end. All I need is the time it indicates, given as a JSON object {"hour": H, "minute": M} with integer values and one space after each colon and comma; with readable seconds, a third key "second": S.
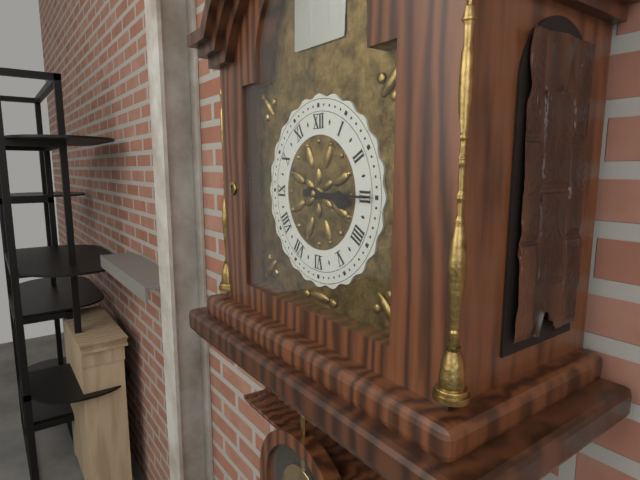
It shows {"hour": 3, "minute": 15}
